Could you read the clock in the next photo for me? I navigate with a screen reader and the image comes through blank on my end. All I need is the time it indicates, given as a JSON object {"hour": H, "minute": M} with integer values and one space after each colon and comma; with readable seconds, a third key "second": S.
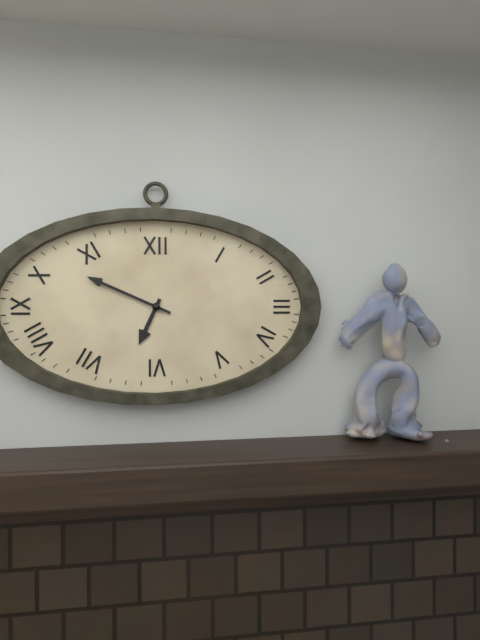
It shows {"hour": 6, "minute": 49}
